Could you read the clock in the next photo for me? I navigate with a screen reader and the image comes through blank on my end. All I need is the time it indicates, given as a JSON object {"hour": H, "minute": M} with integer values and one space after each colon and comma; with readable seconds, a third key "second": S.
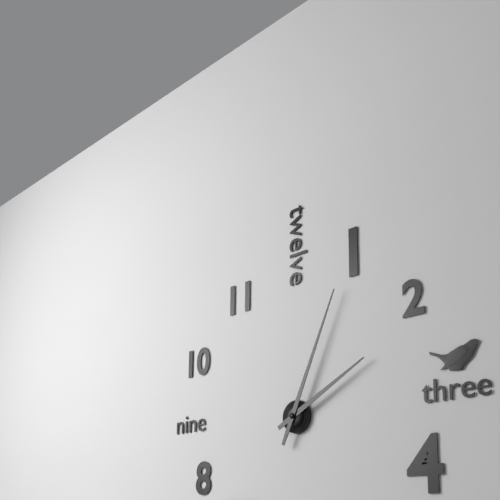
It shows {"hour": 2, "minute": 4}
